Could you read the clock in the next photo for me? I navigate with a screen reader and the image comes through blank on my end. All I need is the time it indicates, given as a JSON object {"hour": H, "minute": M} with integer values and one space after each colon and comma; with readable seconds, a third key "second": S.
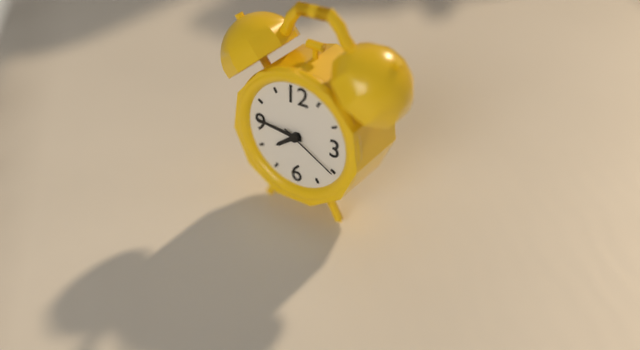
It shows {"hour": 7, "minute": 46, "second": 20}
